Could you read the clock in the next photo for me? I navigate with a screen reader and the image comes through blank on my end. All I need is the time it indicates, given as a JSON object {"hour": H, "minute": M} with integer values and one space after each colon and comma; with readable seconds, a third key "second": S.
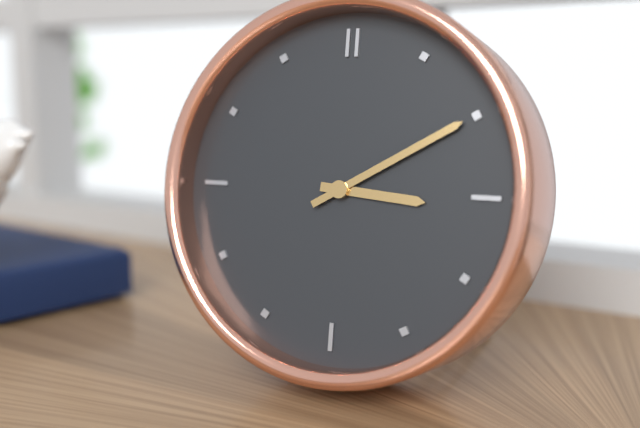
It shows {"hour": 3, "minute": 10}
